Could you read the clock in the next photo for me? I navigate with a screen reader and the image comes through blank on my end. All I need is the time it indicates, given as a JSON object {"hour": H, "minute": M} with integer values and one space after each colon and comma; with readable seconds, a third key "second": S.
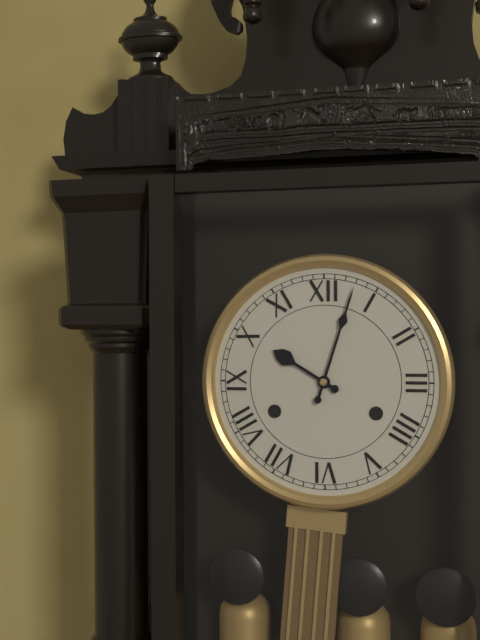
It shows {"hour": 10, "minute": 3}
